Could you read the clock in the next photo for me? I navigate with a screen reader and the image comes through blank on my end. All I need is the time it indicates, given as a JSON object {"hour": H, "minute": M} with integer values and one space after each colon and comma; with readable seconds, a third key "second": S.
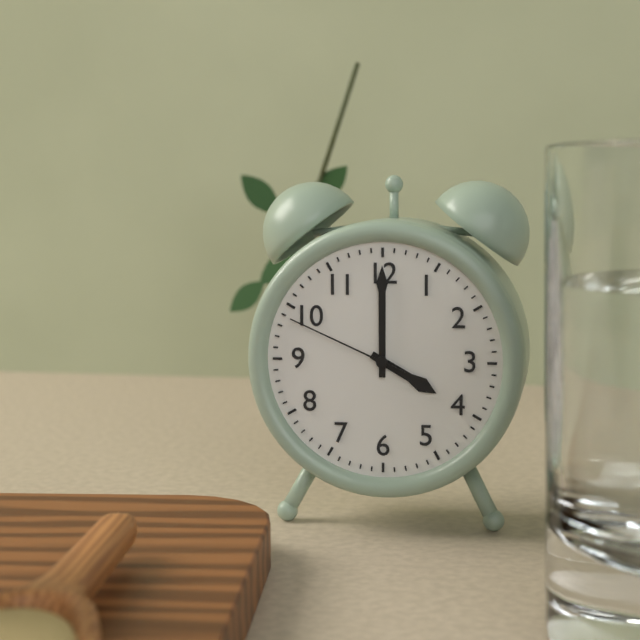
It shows {"hour": 4, "minute": 0, "second": 49}
